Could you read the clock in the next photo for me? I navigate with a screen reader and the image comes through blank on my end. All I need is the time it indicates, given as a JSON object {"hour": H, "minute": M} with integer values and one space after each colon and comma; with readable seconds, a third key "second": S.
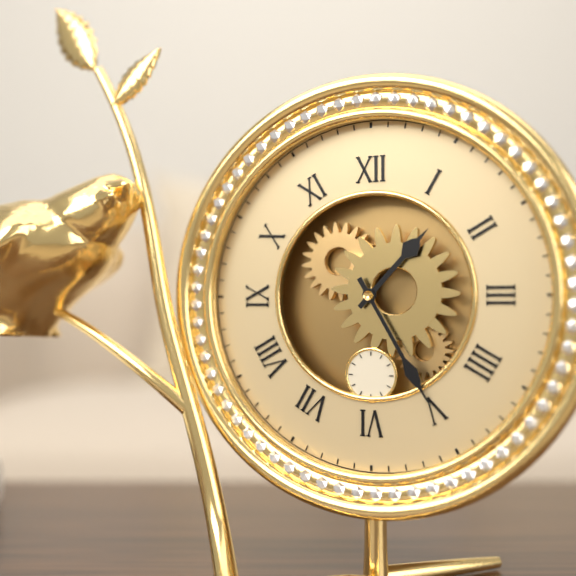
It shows {"hour": 1, "minute": 25}
